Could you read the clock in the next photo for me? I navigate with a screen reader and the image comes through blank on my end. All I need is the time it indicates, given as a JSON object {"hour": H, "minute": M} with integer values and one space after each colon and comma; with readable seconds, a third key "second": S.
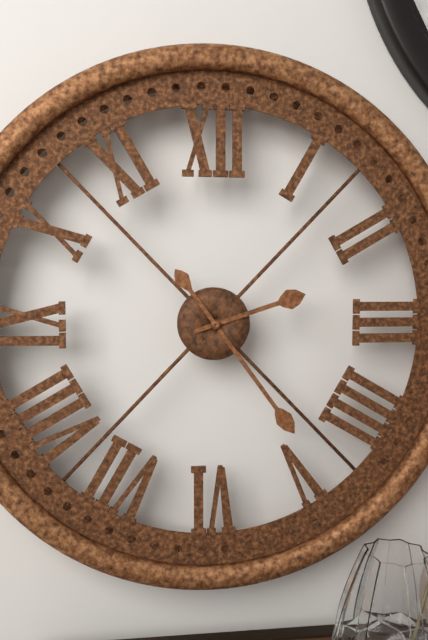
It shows {"hour": 2, "minute": 24}
